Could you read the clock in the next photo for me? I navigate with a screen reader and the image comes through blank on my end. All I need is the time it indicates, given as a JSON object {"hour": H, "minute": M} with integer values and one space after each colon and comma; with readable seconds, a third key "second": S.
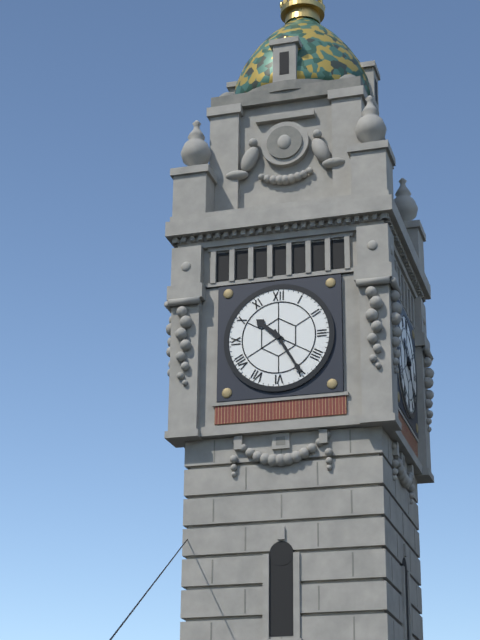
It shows {"hour": 10, "minute": 25}
